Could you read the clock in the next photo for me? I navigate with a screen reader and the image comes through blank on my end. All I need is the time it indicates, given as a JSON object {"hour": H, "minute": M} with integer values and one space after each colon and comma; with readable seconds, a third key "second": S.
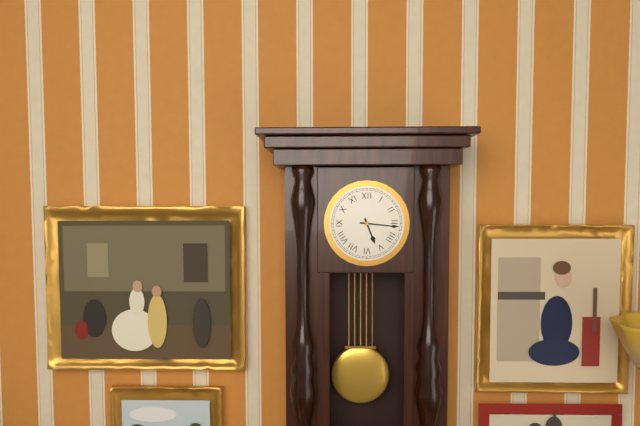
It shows {"hour": 5, "minute": 16}
